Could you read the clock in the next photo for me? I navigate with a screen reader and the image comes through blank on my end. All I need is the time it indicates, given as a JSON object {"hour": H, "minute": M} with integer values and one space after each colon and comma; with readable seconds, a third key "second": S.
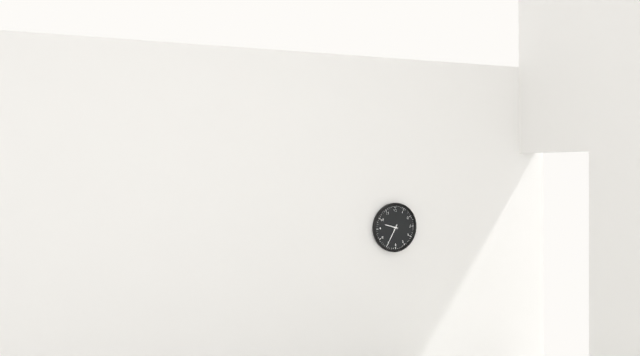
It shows {"hour": 9, "minute": 35}
